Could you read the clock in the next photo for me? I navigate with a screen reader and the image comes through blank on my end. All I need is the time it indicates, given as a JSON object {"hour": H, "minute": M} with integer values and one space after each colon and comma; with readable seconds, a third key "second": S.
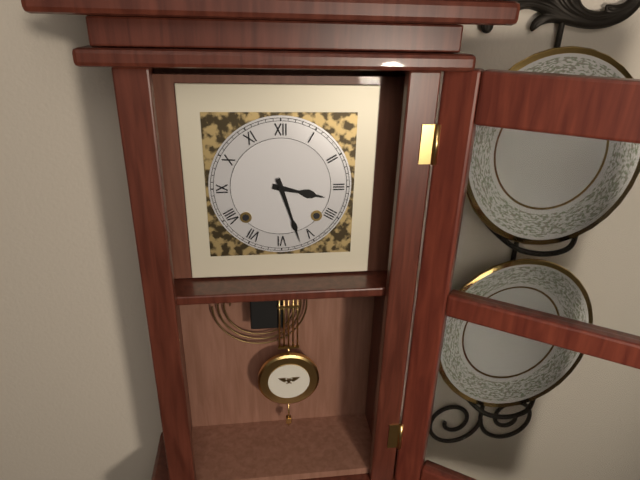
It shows {"hour": 3, "minute": 27}
